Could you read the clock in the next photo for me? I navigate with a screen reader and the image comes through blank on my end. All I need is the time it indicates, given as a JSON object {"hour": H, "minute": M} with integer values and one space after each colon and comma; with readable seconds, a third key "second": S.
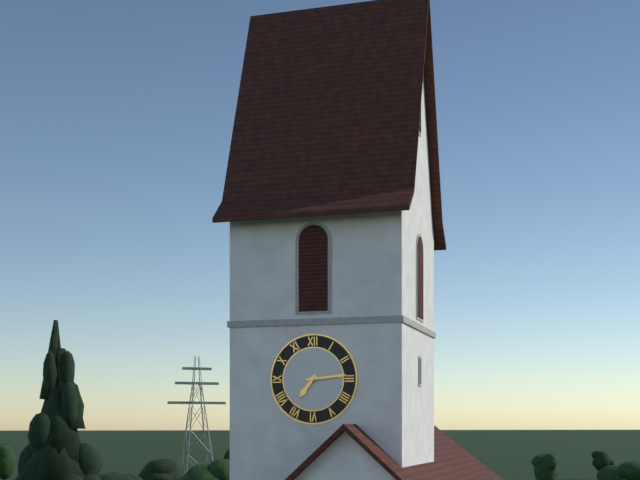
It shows {"hour": 7, "minute": 14}
